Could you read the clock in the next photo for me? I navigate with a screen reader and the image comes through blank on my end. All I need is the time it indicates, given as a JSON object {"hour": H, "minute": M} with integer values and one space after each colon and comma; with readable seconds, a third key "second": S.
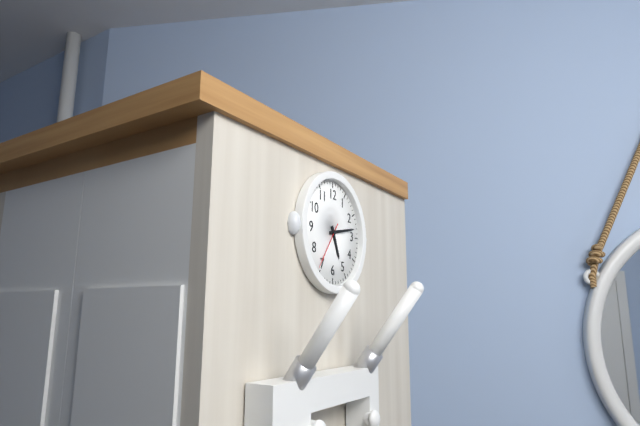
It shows {"hour": 5, "minute": 13}
